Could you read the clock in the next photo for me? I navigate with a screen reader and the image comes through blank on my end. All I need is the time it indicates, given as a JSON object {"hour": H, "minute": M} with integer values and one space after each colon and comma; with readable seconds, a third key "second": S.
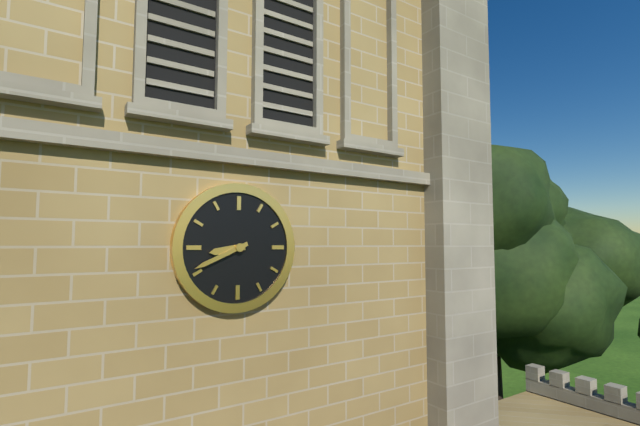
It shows {"hour": 8, "minute": 41}
